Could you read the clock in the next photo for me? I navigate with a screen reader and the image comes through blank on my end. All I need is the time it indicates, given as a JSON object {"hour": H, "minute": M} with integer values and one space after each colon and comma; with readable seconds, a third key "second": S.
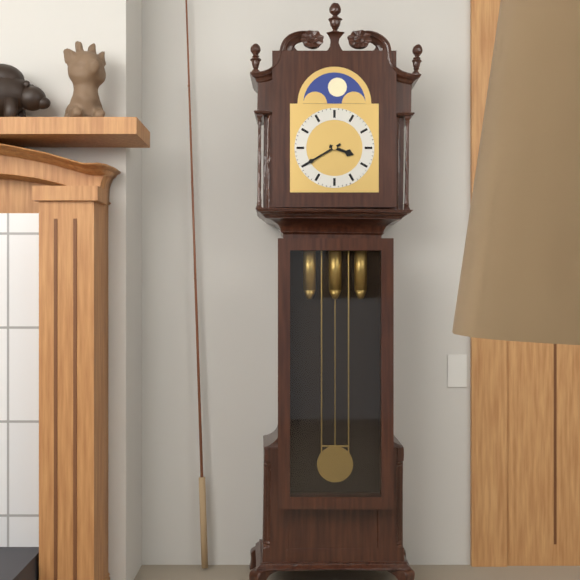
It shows {"hour": 3, "minute": 40}
